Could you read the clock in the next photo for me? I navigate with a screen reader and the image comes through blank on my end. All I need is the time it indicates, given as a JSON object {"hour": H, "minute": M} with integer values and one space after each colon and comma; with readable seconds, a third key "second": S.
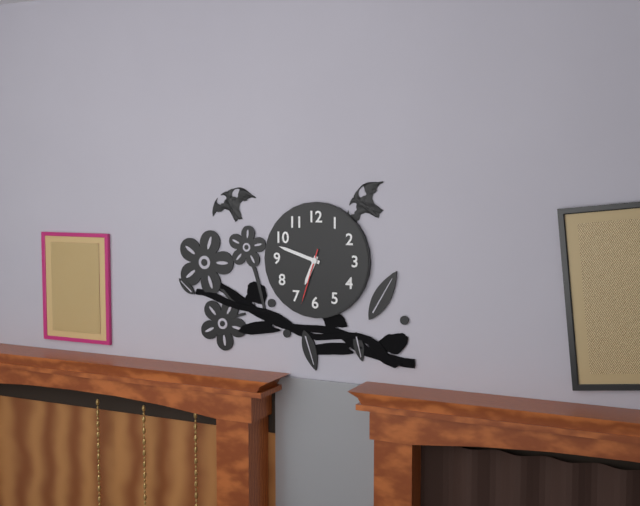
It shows {"hour": 6, "minute": 48, "second": 33}
